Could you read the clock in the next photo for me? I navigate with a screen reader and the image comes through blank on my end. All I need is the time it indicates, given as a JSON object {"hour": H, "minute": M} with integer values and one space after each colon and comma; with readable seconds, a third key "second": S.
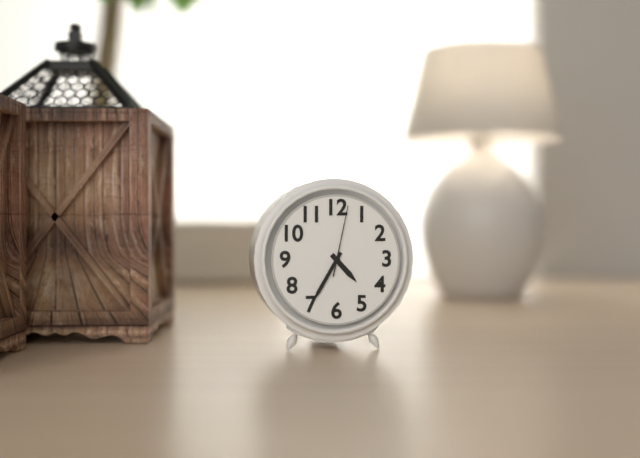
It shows {"hour": 4, "minute": 35, "second": 2}
